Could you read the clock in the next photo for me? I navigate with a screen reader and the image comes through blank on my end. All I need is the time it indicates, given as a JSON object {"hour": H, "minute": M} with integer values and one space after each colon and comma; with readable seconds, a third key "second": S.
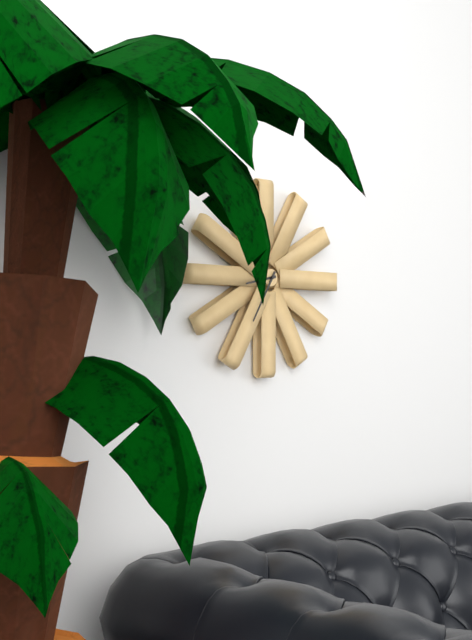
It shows {"hour": 8, "minute": 35}
